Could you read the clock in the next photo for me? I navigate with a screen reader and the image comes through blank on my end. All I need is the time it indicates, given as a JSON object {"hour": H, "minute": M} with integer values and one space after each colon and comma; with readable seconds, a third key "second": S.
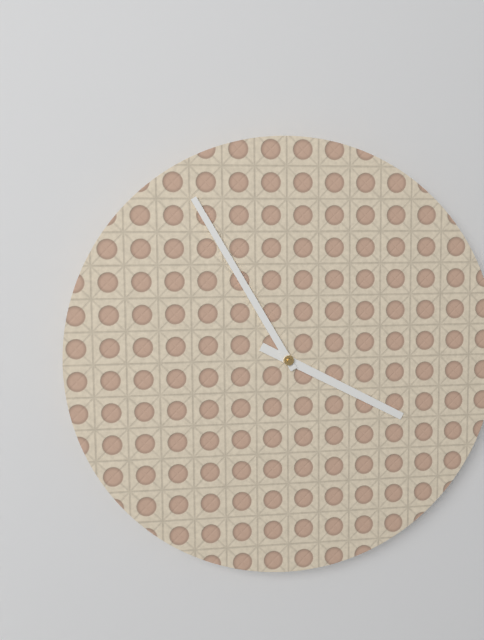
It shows {"hour": 3, "minute": 55}
